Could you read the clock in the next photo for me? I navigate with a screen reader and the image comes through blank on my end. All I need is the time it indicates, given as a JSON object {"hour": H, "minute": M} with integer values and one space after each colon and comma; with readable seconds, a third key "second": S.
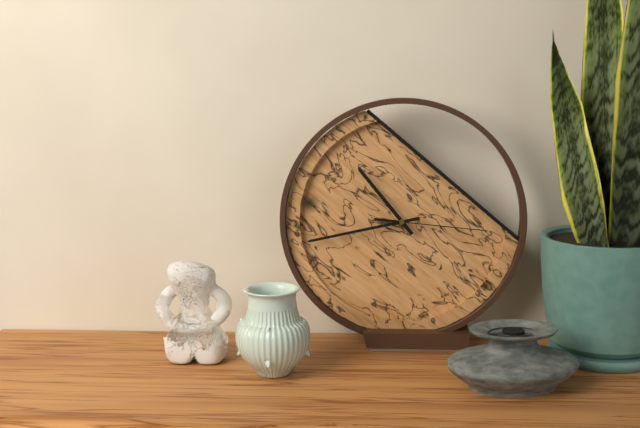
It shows {"hour": 10, "minute": 43, "second": 16}
